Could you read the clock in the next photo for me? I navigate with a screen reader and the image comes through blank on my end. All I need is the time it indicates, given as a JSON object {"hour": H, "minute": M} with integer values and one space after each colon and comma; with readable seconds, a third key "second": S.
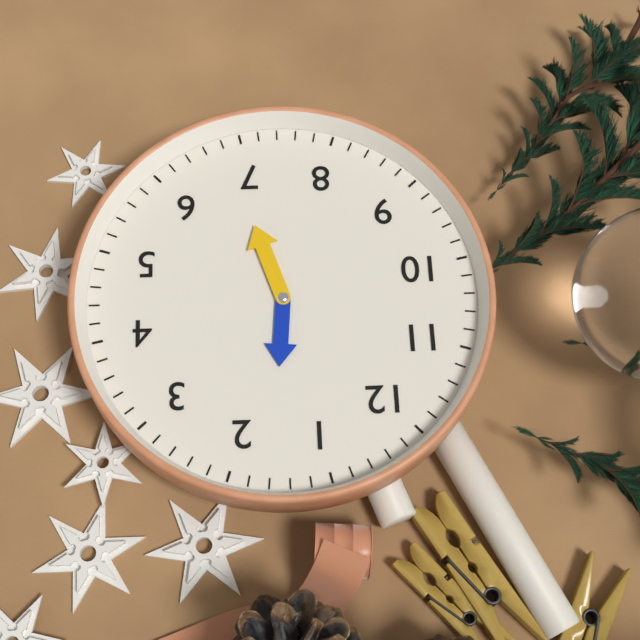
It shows {"hour": 1, "minute": 34}
